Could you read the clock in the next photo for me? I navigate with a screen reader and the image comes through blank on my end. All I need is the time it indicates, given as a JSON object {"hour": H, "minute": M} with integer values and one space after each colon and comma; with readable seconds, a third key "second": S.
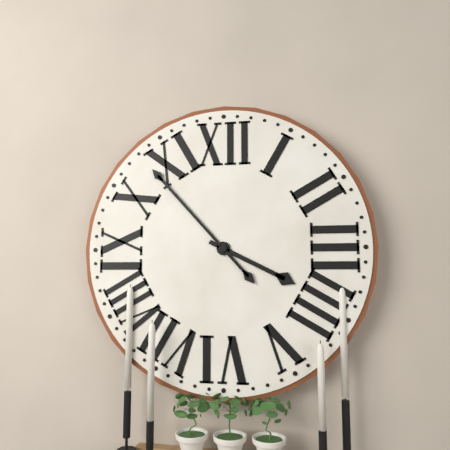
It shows {"hour": 3, "minute": 53}
